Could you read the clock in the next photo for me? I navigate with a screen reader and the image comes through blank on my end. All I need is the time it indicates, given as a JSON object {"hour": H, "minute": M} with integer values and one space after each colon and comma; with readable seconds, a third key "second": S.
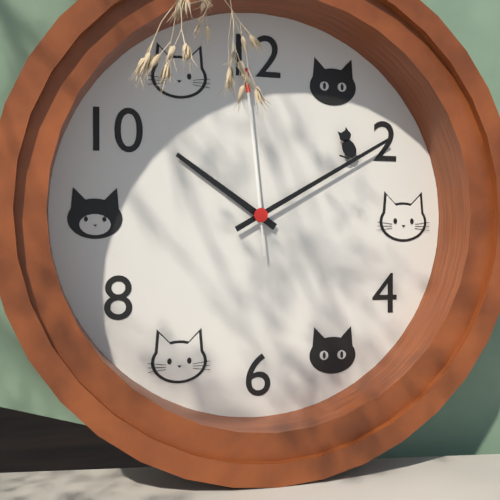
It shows {"hour": 10, "minute": 10, "second": 59}
